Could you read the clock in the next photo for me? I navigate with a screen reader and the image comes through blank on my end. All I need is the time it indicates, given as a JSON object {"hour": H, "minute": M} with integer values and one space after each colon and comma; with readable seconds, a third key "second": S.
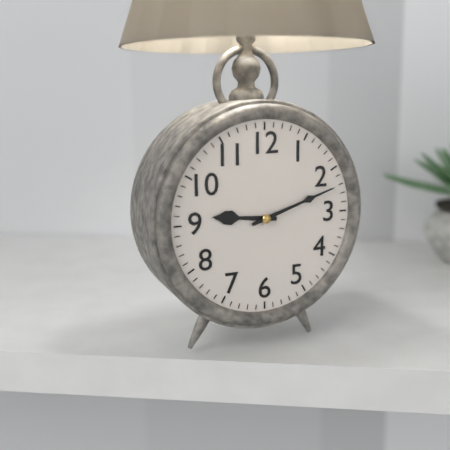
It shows {"hour": 9, "minute": 12}
